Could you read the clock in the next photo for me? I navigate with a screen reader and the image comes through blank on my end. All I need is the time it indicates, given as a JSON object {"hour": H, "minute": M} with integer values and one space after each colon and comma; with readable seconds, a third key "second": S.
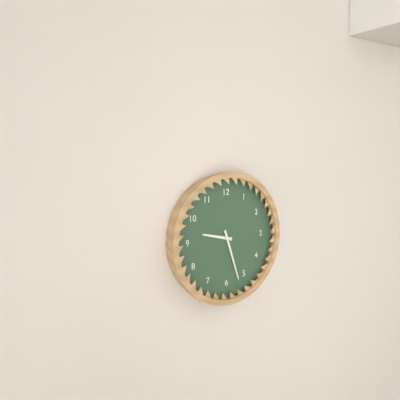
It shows {"hour": 9, "minute": 27}
